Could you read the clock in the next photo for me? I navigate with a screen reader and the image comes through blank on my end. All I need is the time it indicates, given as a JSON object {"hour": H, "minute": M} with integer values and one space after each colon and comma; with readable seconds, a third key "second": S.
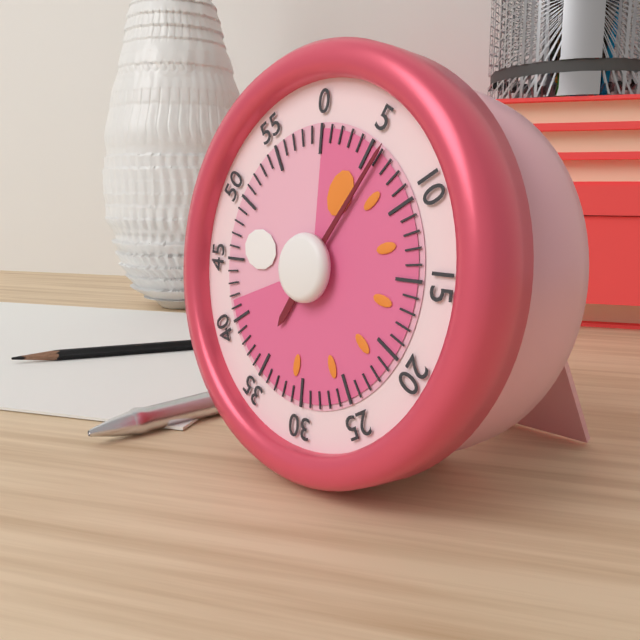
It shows {"hour": 7, "minute": 6}
